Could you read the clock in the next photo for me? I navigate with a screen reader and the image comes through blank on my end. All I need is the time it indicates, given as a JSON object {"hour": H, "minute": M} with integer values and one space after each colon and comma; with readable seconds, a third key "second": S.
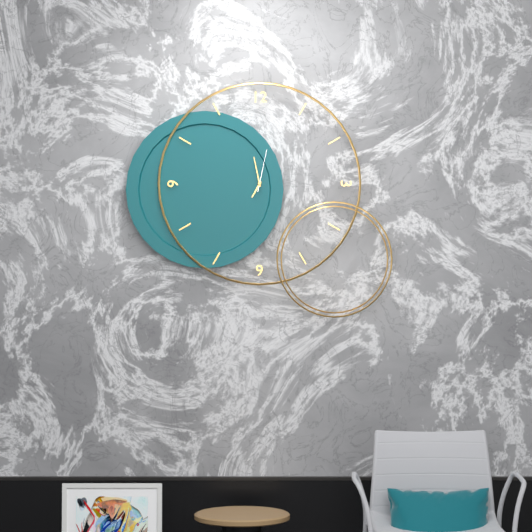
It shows {"hour": 6, "minute": 58}
